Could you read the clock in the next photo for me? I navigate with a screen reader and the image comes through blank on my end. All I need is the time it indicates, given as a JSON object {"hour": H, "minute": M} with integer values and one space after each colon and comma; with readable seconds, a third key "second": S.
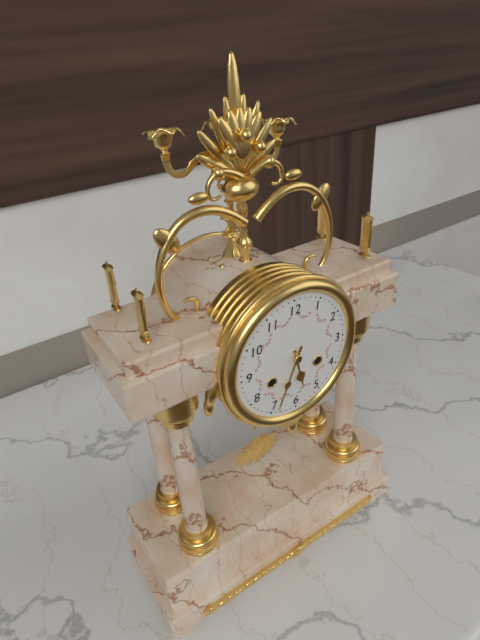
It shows {"hour": 5, "minute": 34}
